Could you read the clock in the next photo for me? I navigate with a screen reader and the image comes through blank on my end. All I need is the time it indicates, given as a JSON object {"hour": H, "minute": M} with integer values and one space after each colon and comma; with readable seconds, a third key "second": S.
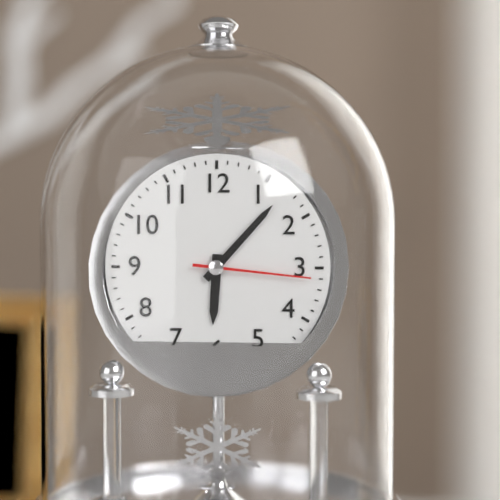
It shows {"hour": 6, "minute": 7, "second": 16}
